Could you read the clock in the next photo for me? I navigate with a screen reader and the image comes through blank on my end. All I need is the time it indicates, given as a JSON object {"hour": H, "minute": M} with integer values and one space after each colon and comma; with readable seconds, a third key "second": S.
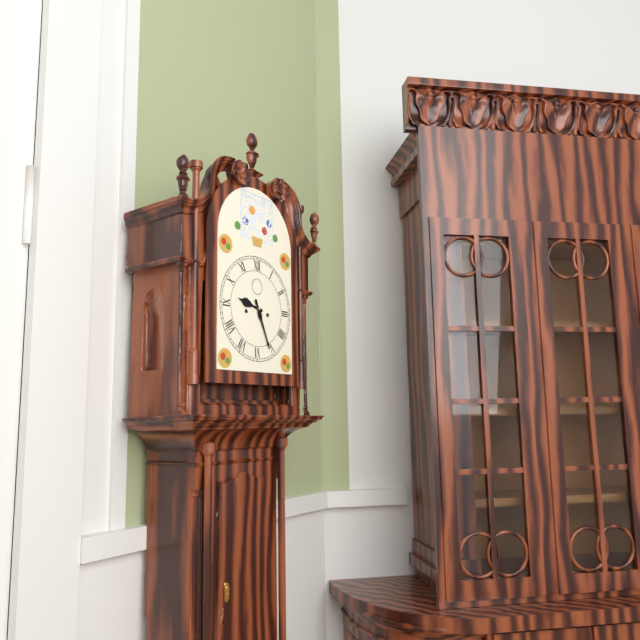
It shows {"hour": 9, "minute": 26}
